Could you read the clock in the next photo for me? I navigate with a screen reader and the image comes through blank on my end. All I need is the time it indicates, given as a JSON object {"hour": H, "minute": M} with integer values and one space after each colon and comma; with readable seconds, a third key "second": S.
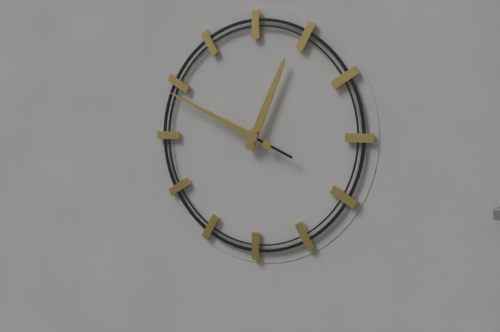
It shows {"hour": 12, "minute": 49}
